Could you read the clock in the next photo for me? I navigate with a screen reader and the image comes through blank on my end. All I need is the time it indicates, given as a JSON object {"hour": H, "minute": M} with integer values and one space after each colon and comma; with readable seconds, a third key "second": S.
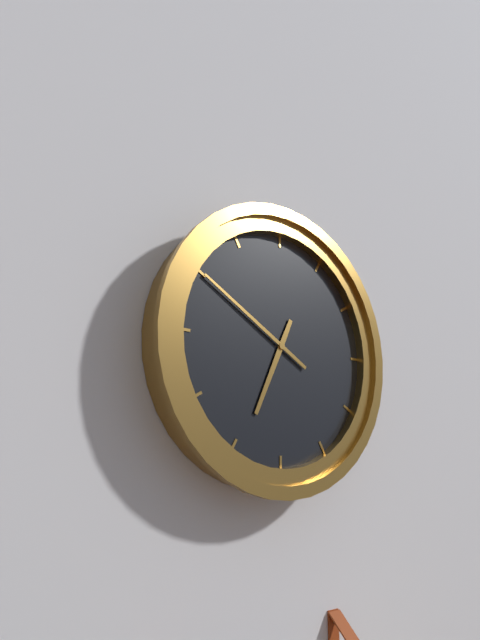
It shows {"hour": 6, "minute": 50}
